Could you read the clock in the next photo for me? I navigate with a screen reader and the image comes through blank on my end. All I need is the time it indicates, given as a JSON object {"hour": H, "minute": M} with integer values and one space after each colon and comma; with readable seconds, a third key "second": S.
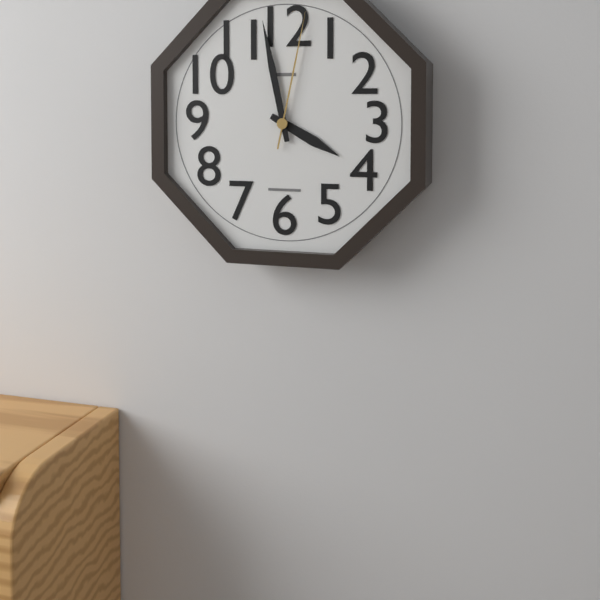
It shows {"hour": 3, "minute": 58, "second": 2}
